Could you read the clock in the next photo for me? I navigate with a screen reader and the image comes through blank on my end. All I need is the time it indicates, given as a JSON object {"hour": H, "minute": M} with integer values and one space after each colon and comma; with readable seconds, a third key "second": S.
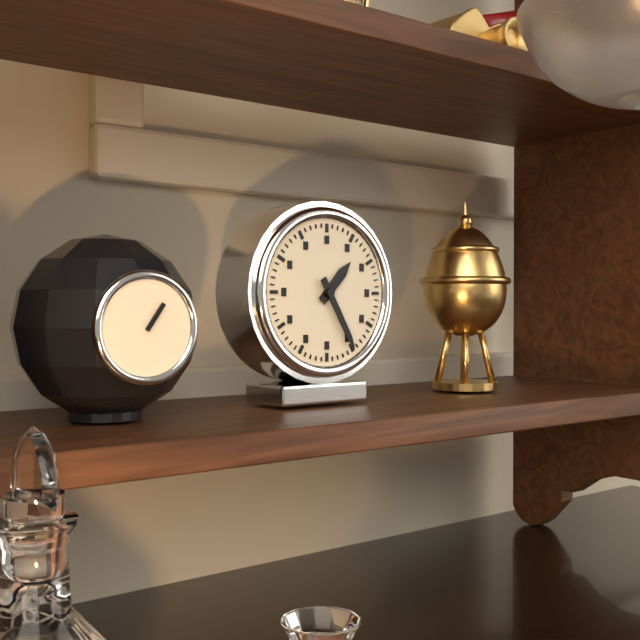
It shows {"hour": 1, "minute": 25}
